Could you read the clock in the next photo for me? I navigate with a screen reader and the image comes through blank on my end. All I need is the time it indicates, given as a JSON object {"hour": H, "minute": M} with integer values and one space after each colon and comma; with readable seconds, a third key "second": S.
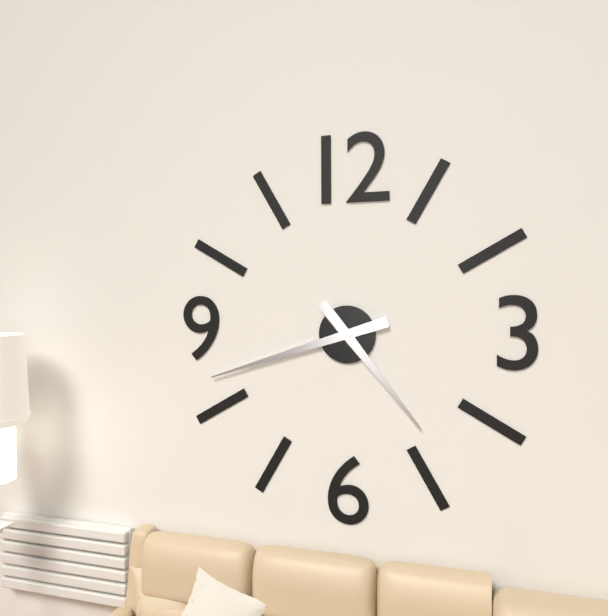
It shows {"hour": 4, "minute": 42}
